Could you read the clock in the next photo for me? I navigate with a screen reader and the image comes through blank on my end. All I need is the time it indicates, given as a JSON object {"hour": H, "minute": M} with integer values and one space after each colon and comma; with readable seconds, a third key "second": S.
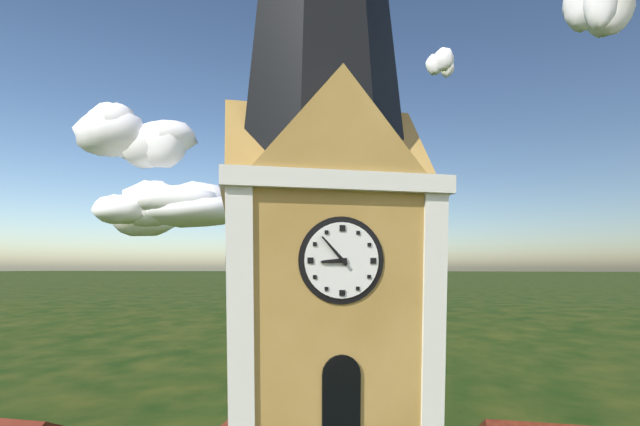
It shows {"hour": 8, "minute": 53}
